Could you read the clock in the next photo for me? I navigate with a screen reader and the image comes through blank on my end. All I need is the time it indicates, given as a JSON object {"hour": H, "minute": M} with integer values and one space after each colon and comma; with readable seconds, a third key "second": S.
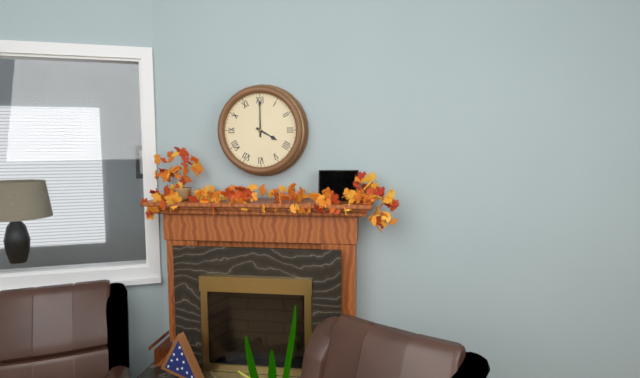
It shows {"hour": 4, "minute": 0}
